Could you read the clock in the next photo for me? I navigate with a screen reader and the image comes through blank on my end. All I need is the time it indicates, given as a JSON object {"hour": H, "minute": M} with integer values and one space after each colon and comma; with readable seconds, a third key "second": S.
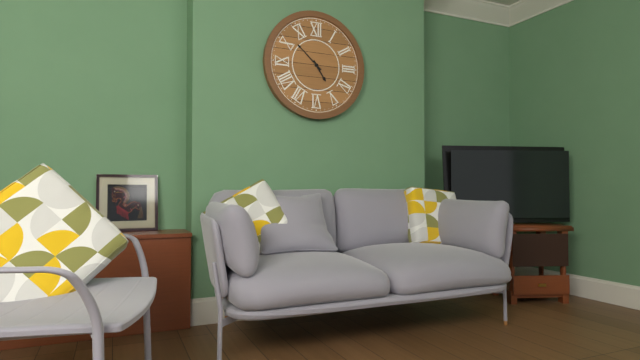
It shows {"hour": 4, "minute": 52}
